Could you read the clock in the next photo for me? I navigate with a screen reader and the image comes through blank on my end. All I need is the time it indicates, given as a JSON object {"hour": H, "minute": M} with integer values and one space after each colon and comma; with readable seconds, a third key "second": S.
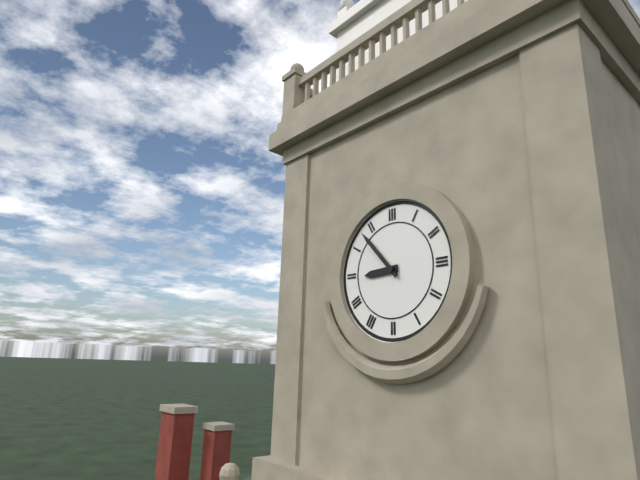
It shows {"hour": 8, "minute": 53}
